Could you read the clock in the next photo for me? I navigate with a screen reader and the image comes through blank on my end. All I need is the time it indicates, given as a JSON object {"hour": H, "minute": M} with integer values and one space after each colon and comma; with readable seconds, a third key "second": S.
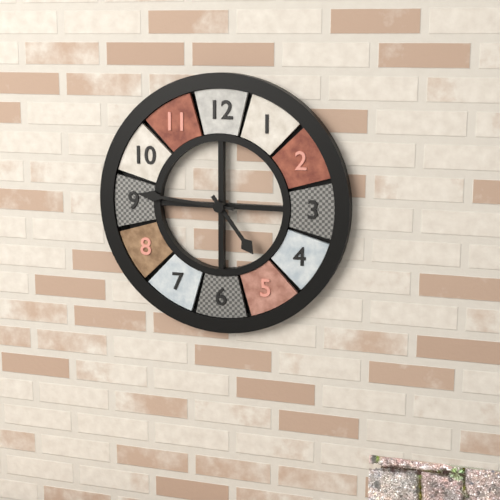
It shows {"hour": 4, "minute": 46}
